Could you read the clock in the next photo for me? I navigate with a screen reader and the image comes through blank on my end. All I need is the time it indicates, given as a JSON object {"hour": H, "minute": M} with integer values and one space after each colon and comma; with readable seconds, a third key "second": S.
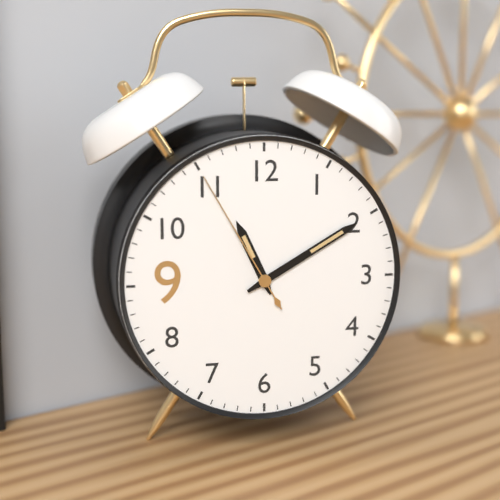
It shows {"hour": 11, "minute": 10, "second": 55}
